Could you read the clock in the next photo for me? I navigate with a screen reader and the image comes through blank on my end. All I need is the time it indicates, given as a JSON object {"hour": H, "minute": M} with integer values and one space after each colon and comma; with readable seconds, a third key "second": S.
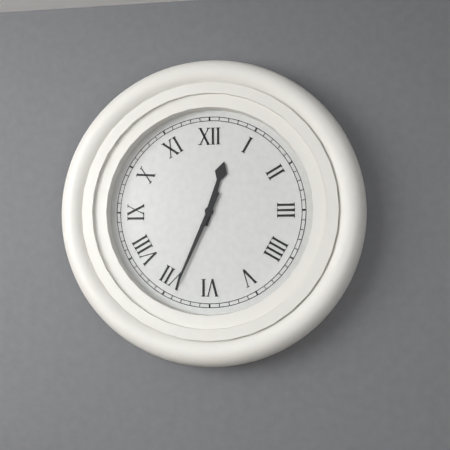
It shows {"hour": 12, "minute": 34}
